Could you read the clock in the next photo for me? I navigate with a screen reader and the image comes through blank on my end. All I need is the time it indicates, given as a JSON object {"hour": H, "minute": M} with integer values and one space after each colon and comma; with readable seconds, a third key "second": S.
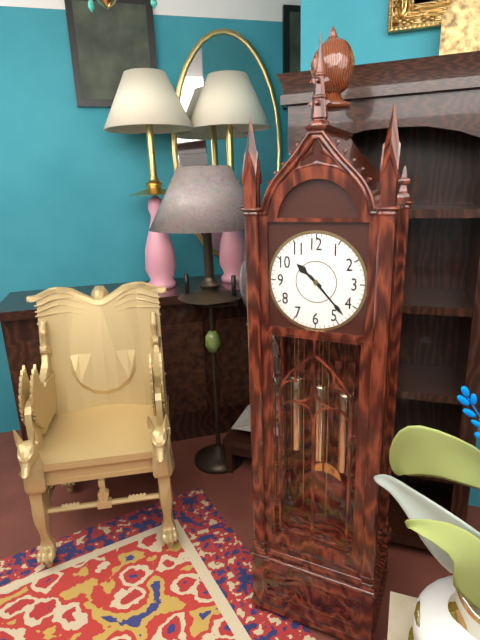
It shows {"hour": 10, "minute": 23}
